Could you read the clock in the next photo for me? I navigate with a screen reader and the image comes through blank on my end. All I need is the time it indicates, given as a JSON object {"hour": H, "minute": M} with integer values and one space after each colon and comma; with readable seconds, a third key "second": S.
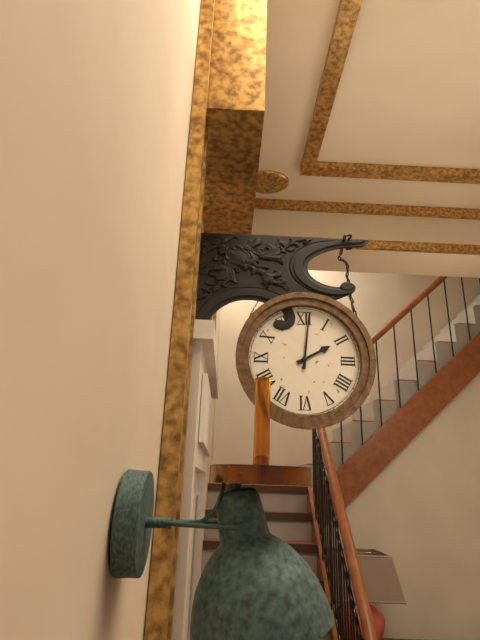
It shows {"hour": 2, "minute": 1}
